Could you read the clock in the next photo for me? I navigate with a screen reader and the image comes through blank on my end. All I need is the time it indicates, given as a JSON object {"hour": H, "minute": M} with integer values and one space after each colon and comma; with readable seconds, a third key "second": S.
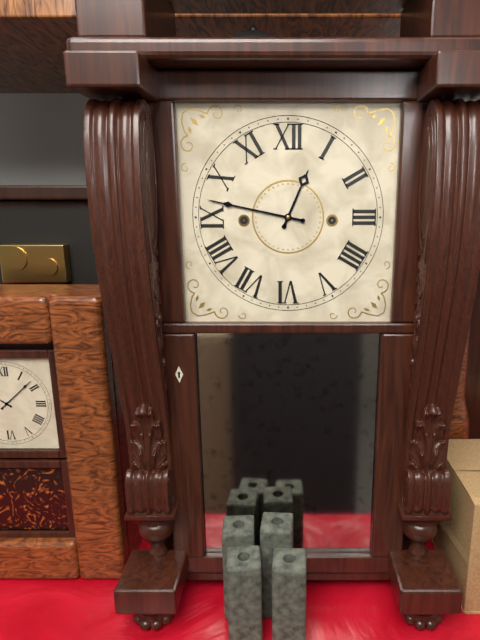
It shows {"hour": 12, "minute": 47}
